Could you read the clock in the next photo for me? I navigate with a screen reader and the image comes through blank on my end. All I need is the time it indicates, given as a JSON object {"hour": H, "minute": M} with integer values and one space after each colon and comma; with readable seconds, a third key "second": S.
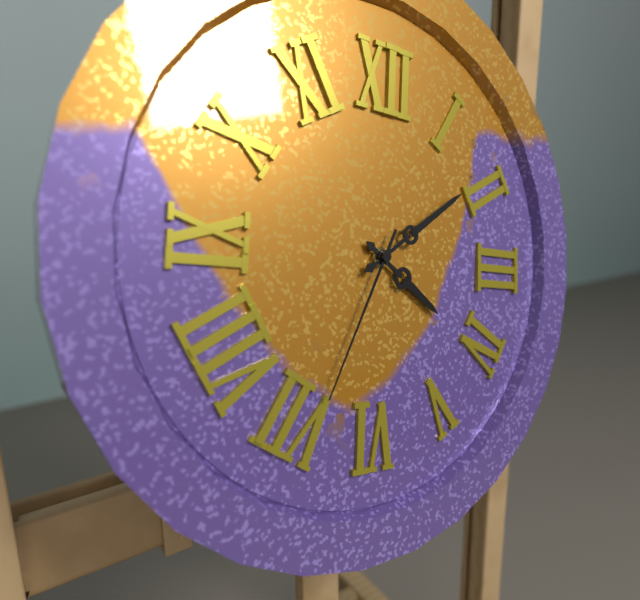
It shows {"hour": 4, "minute": 9, "second": 34}
